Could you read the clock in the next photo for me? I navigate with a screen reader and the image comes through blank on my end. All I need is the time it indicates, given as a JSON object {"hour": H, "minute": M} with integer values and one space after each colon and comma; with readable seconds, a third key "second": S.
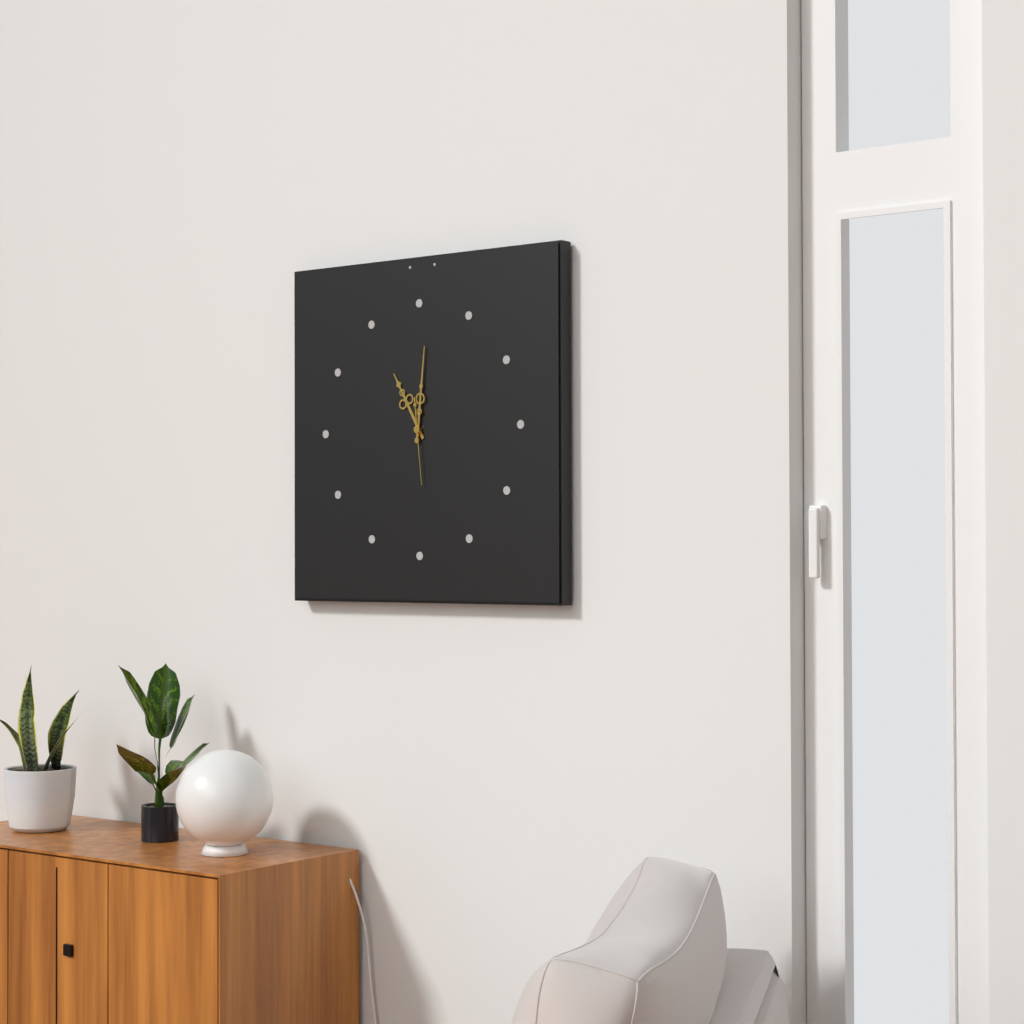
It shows {"hour": 11, "minute": 1, "second": 29}
